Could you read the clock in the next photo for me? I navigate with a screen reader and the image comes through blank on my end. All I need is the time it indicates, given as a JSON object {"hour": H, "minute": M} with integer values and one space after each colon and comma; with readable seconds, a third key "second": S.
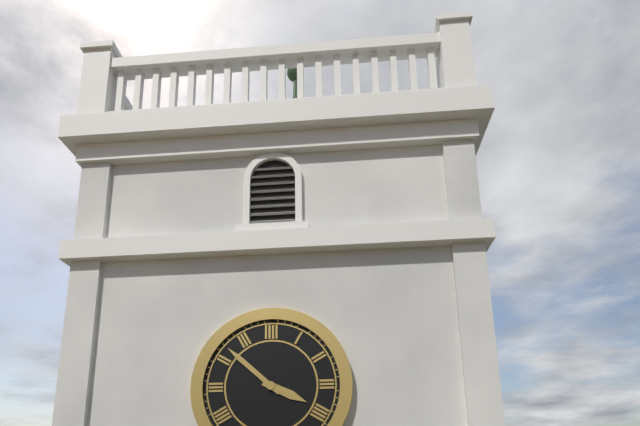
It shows {"hour": 3, "minute": 52}
